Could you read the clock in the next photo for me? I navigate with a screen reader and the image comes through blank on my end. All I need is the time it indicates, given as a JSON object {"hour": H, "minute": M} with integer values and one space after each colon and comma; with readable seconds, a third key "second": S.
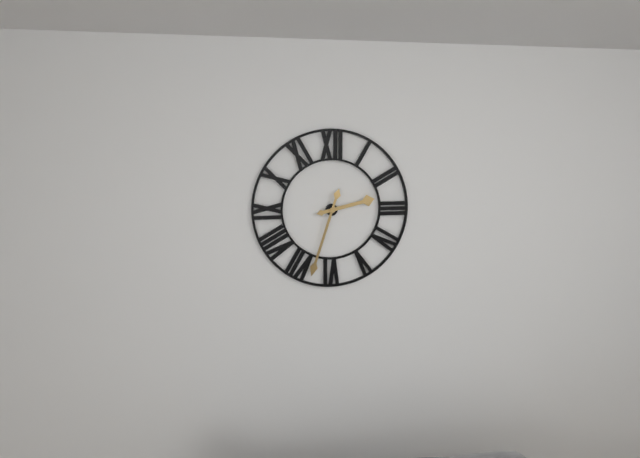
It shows {"hour": 2, "minute": 33}
